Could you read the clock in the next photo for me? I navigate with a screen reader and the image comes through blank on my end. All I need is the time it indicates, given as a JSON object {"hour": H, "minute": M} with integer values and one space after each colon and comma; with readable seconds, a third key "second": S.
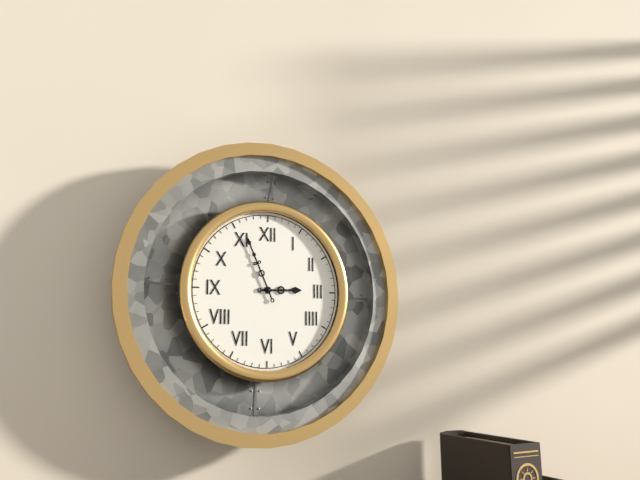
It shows {"hour": 2, "minute": 56}
